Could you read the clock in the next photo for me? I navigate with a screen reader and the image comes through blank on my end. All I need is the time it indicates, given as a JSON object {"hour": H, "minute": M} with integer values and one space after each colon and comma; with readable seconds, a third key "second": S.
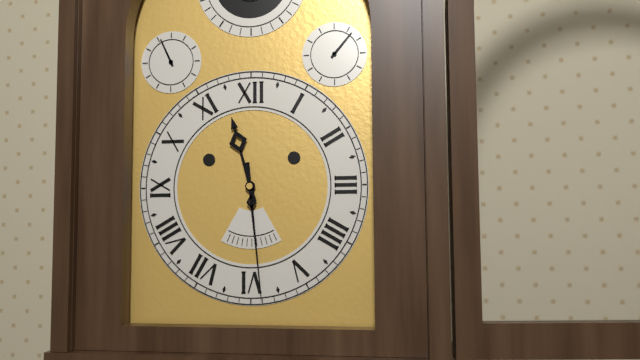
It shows {"hour": 11, "minute": 29}
